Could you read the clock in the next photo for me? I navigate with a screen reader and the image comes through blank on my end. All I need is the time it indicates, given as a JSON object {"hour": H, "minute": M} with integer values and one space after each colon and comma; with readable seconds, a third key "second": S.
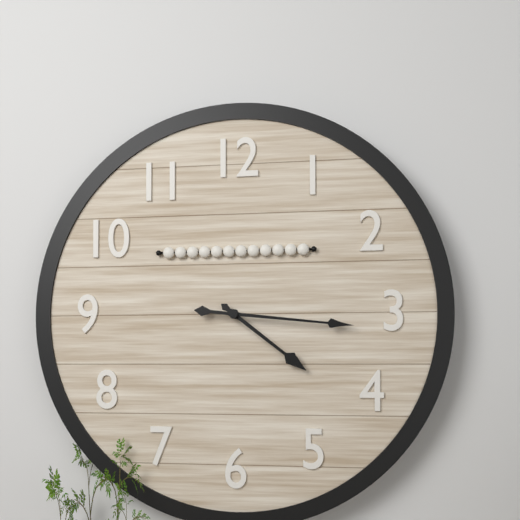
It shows {"hour": 4, "minute": 16}
